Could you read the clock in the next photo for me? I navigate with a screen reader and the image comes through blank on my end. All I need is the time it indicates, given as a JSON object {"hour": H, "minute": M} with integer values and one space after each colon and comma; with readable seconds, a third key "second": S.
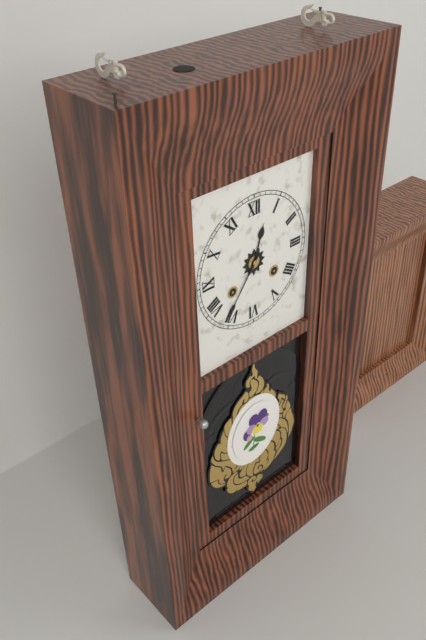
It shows {"hour": 12, "minute": 36}
